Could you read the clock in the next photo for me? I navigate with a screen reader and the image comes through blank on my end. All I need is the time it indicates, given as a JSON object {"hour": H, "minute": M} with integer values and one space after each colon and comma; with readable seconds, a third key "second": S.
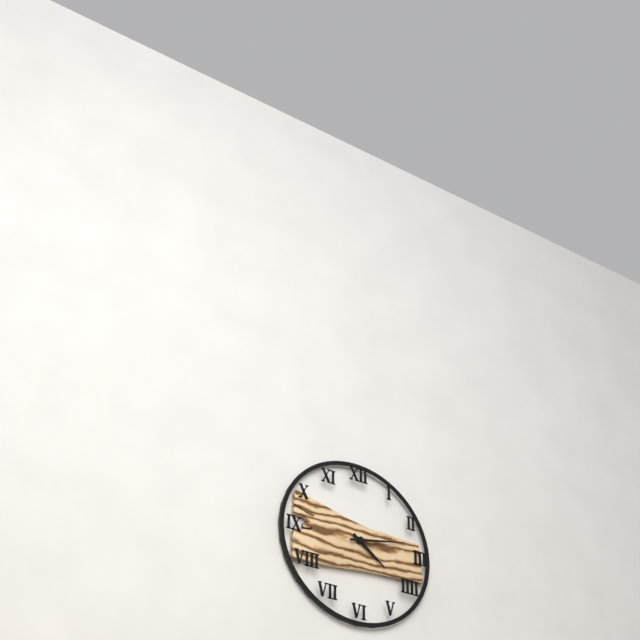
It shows {"hour": 4, "minute": 13}
